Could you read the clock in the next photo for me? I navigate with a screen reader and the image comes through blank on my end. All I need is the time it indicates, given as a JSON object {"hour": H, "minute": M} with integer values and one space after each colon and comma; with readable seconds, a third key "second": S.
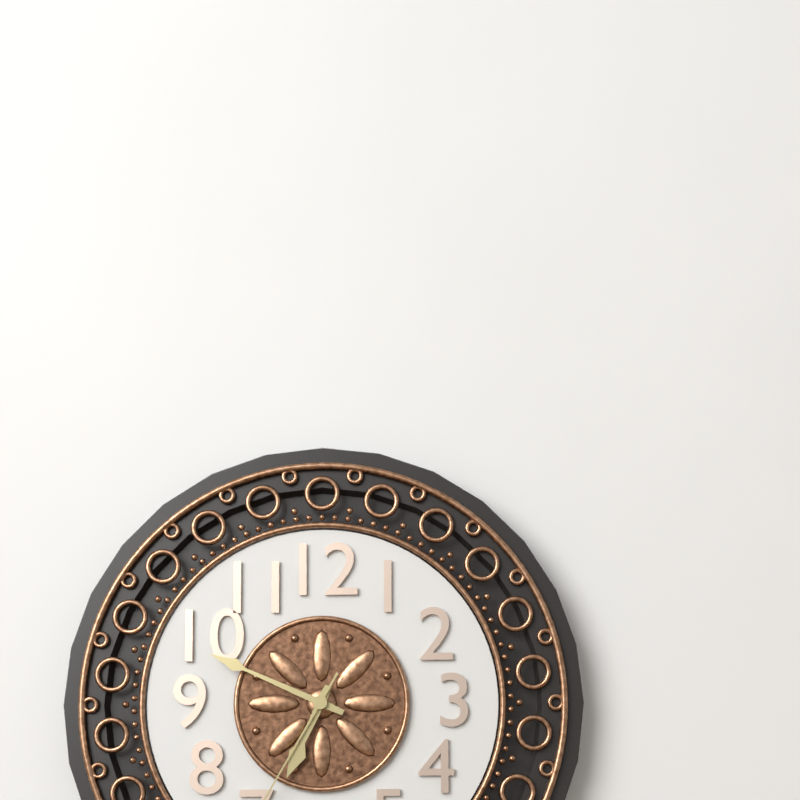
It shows {"hour": 6, "minute": 49}
